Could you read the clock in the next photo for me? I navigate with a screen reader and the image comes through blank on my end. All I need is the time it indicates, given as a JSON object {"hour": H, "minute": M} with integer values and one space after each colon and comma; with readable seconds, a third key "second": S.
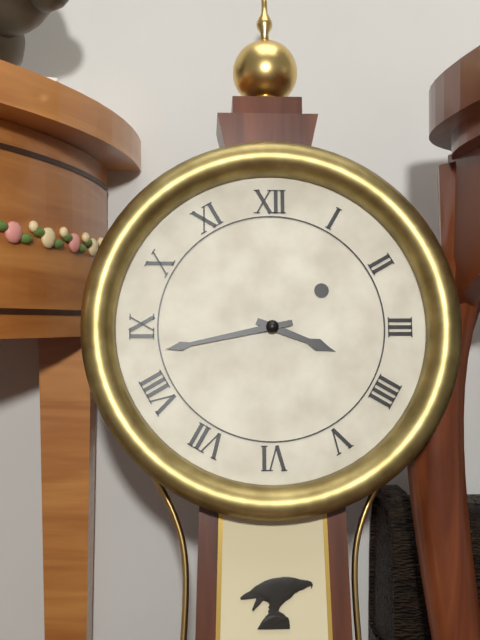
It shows {"hour": 3, "minute": 43}
